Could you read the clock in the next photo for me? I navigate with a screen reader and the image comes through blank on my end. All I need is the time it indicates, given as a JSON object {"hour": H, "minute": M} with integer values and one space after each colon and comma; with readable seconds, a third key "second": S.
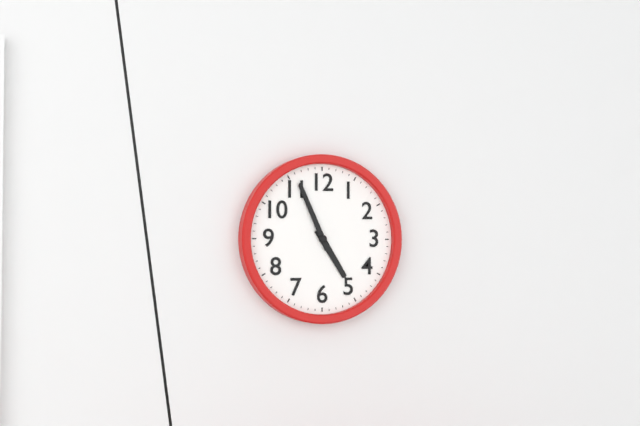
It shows {"hour": 4, "minute": 56}
